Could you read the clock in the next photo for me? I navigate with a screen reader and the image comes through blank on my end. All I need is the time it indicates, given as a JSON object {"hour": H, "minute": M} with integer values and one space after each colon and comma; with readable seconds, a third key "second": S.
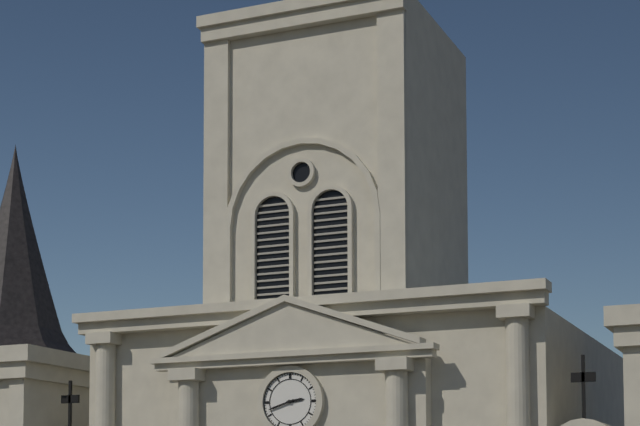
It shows {"hour": 2, "minute": 42}
